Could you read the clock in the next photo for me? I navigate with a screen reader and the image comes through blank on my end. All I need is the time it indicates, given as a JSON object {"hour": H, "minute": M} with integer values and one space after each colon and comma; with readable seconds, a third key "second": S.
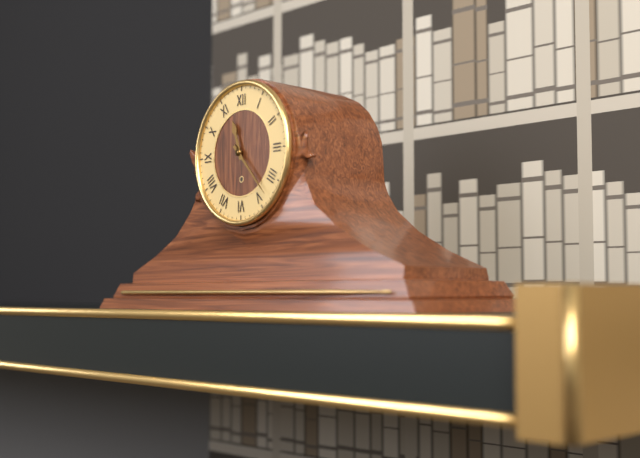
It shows {"hour": 11, "minute": 23}
